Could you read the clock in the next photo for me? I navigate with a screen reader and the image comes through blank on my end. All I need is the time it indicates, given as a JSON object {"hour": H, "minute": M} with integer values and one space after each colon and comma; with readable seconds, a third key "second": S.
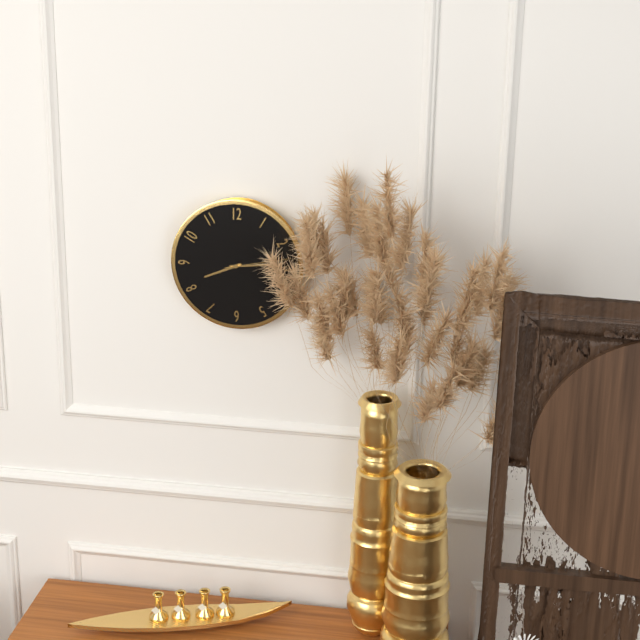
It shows {"hour": 8, "minute": 14, "second": 13}
